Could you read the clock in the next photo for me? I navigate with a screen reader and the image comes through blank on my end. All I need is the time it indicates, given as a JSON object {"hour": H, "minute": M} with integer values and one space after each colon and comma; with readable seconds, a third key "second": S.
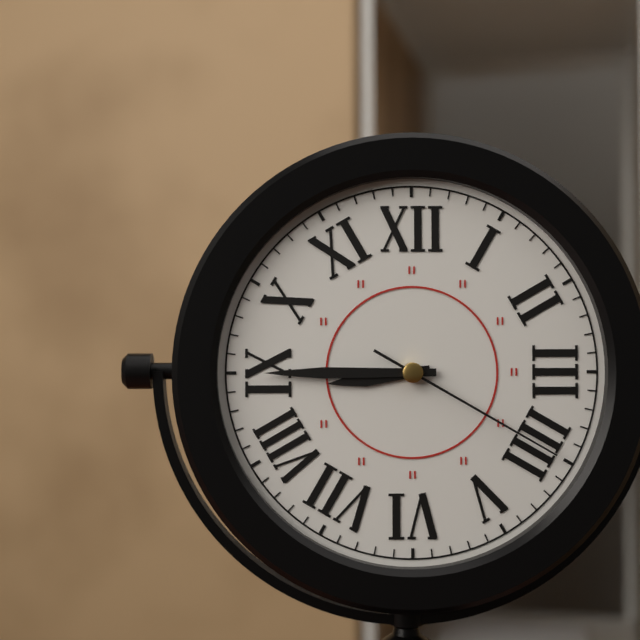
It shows {"hour": 8, "minute": 45, "second": 20}
